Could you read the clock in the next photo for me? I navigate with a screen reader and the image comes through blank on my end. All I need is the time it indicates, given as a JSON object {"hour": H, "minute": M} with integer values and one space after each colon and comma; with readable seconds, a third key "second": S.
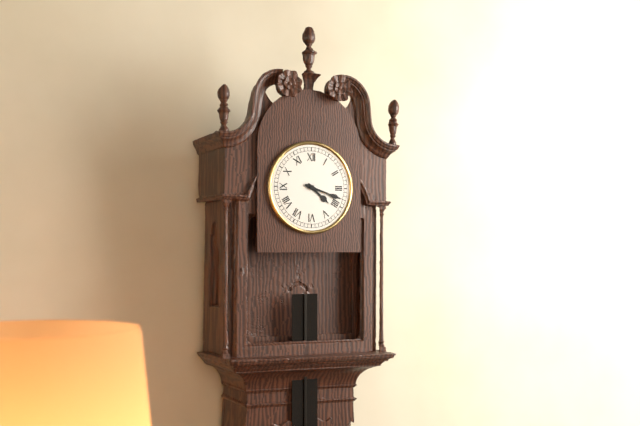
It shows {"hour": 4, "minute": 18}
